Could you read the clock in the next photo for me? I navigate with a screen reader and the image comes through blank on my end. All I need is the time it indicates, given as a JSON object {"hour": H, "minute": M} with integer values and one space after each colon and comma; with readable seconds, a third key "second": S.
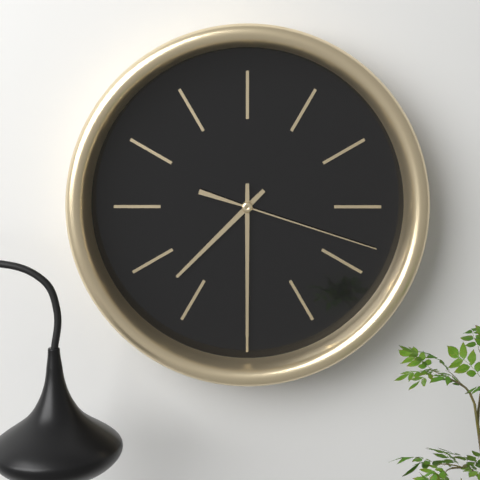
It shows {"hour": 7, "minute": 30, "second": 18}
